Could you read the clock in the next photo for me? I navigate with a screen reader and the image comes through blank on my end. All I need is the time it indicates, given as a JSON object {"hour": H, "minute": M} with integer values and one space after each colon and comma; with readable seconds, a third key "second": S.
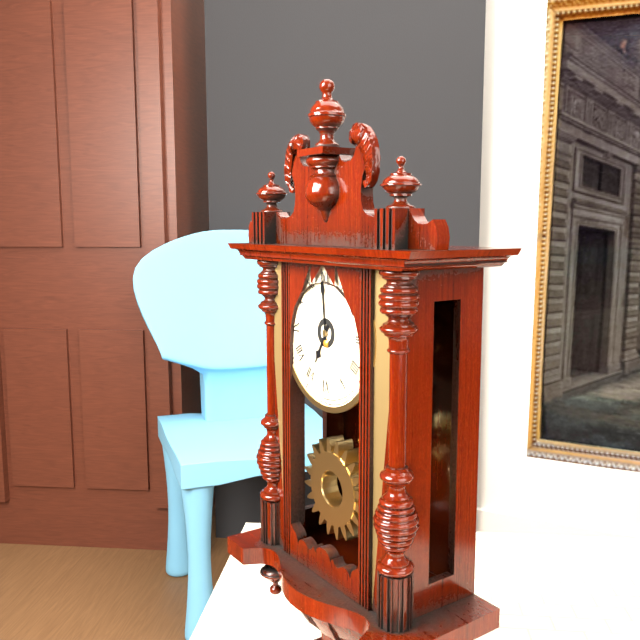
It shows {"hour": 6, "minute": 59}
